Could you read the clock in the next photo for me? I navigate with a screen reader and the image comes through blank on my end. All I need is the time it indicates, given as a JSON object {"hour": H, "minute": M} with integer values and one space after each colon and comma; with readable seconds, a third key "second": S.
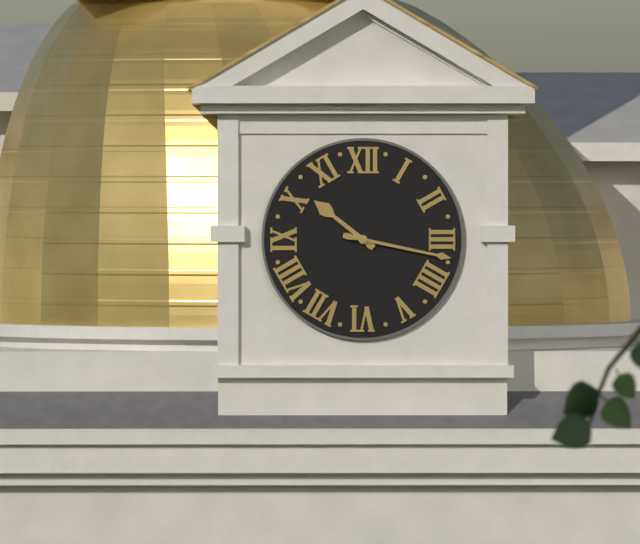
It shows {"hour": 10, "minute": 17}
